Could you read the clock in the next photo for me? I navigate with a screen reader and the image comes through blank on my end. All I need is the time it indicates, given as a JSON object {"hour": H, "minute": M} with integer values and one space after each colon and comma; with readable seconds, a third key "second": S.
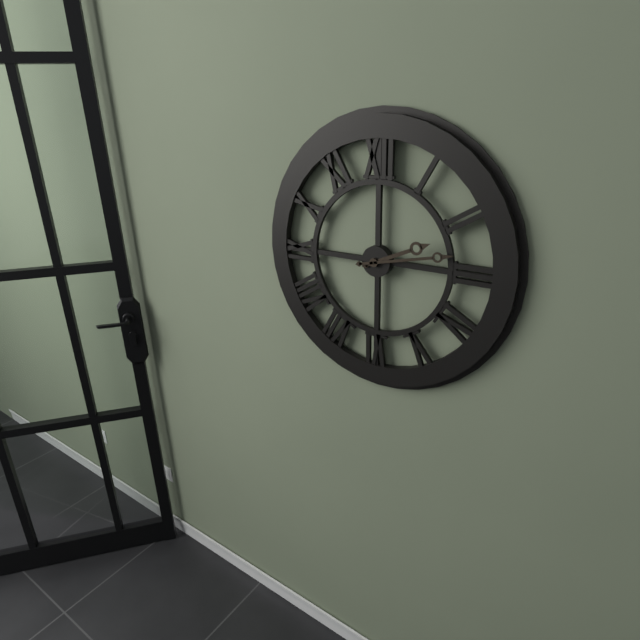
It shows {"hour": 2, "minute": 13}
